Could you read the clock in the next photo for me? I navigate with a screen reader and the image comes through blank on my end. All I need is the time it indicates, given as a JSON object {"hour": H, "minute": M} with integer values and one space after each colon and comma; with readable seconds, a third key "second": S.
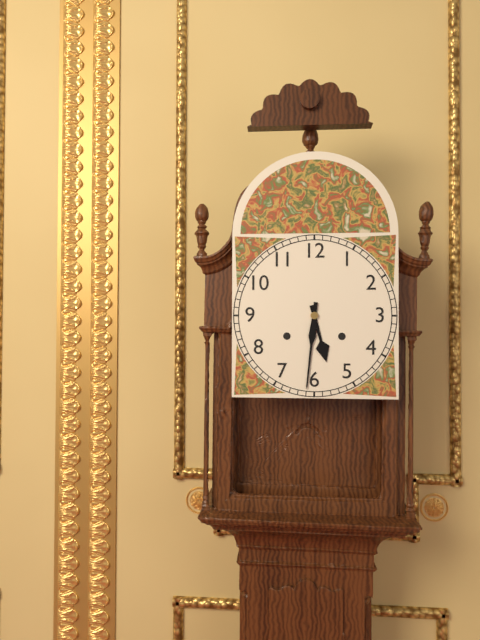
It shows {"hour": 5, "minute": 31}
